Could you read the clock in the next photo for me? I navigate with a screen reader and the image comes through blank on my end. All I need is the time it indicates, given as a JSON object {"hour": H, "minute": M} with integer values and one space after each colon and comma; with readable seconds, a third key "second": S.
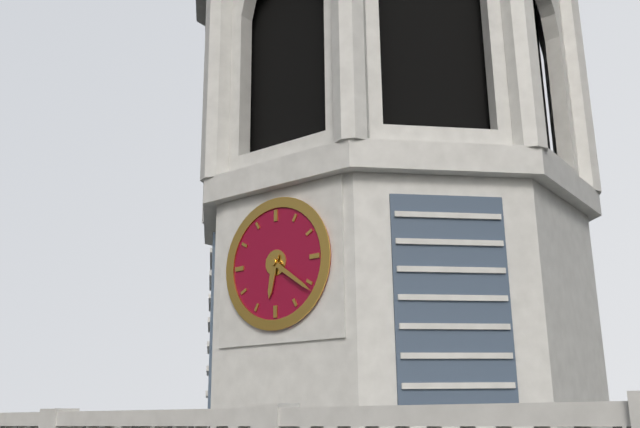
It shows {"hour": 6, "minute": 21}
